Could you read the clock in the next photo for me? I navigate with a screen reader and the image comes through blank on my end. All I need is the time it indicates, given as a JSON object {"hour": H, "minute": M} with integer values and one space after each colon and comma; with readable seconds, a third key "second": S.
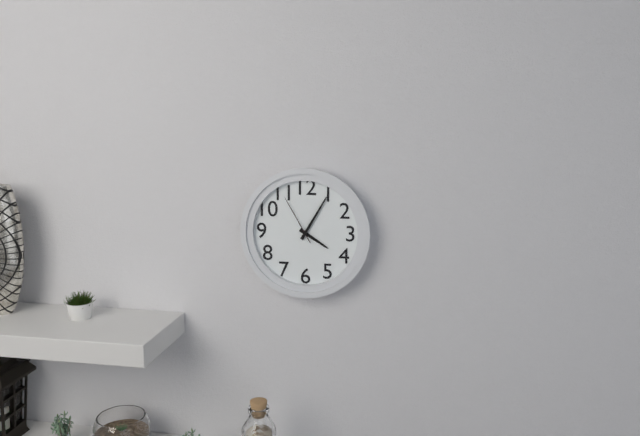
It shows {"hour": 4, "minute": 5, "second": 55}
